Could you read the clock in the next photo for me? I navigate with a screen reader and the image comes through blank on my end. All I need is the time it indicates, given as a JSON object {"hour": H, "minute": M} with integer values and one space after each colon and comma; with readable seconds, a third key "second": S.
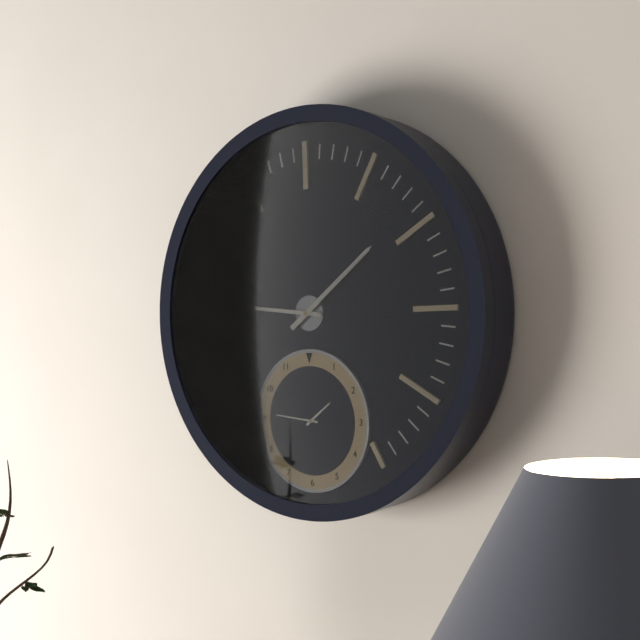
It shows {"hour": 1, "minute": 46}
